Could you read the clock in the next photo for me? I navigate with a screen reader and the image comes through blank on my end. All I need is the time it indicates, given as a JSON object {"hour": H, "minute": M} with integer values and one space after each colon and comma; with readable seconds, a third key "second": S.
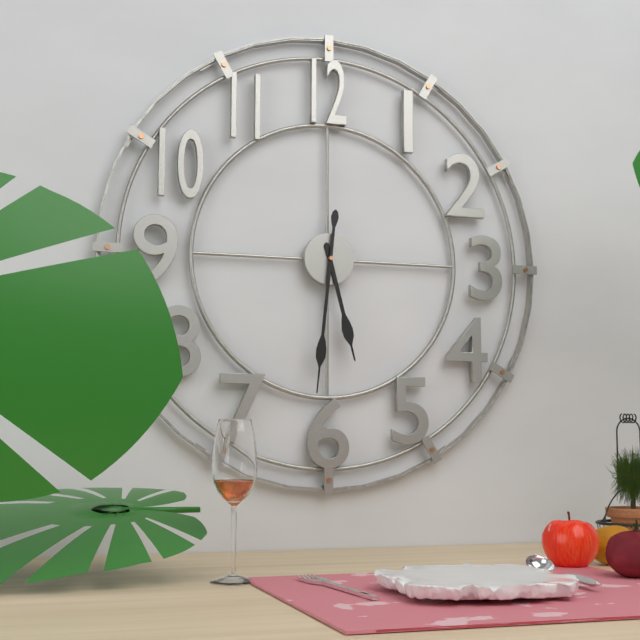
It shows {"hour": 5, "minute": 31}
